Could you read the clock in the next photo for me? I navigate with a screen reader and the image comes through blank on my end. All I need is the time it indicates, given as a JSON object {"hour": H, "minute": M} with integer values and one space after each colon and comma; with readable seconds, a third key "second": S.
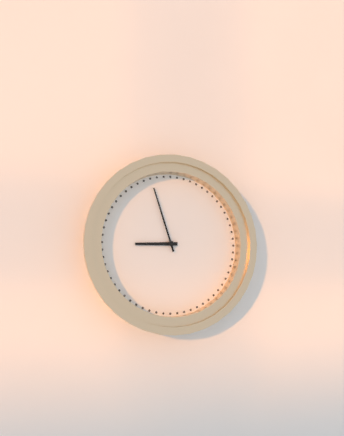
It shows {"hour": 8, "minute": 57}
